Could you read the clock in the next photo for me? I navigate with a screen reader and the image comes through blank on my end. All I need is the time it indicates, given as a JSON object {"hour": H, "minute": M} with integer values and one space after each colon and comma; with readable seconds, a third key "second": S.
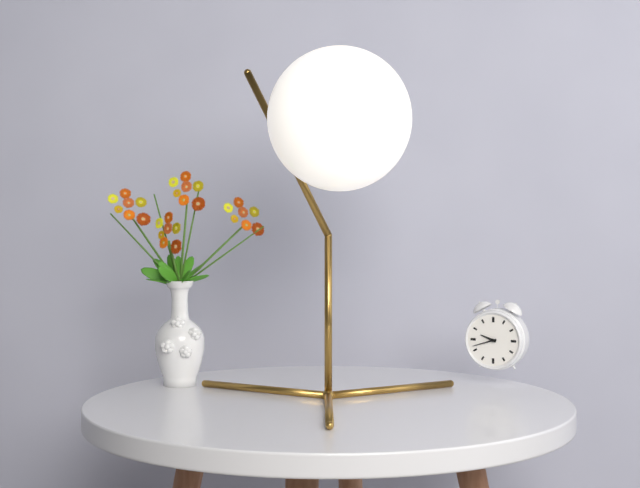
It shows {"hour": 9, "minute": 42}
